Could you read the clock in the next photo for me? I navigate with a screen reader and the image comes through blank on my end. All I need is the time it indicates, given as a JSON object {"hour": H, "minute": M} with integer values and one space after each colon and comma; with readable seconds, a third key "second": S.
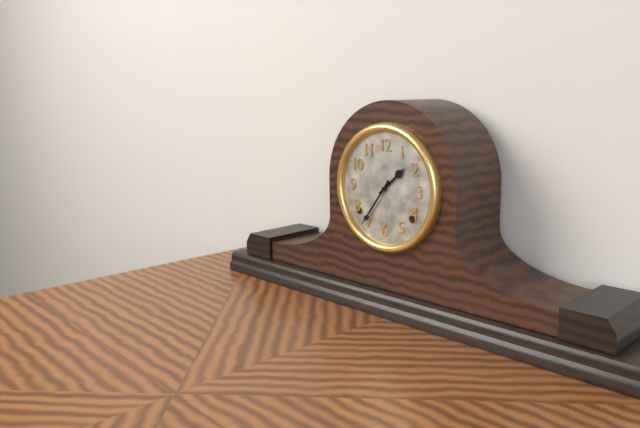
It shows {"hour": 1, "minute": 36}
